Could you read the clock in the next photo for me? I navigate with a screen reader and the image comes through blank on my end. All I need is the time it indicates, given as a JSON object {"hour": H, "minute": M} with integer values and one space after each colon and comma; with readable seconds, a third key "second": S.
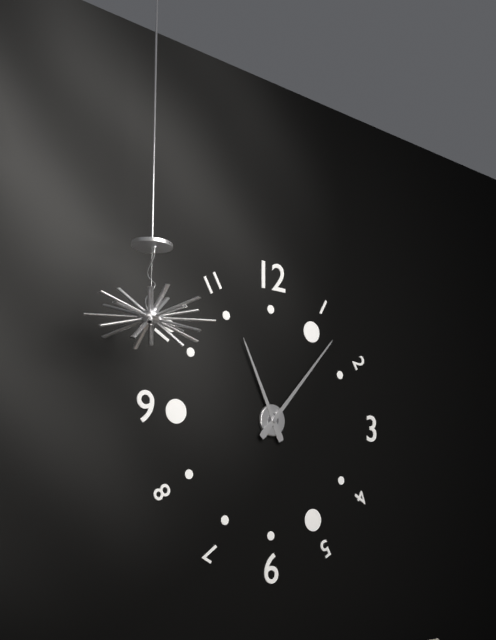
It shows {"hour": 11, "minute": 7}
